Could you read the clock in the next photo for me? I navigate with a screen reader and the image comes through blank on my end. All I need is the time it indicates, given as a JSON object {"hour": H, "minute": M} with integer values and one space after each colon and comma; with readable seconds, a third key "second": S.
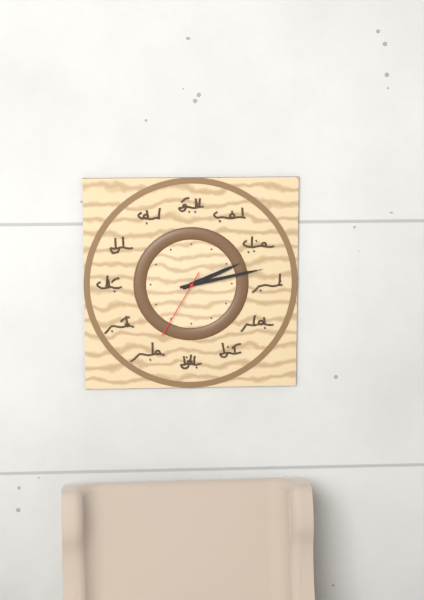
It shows {"hour": 2, "minute": 13, "second": 35}
